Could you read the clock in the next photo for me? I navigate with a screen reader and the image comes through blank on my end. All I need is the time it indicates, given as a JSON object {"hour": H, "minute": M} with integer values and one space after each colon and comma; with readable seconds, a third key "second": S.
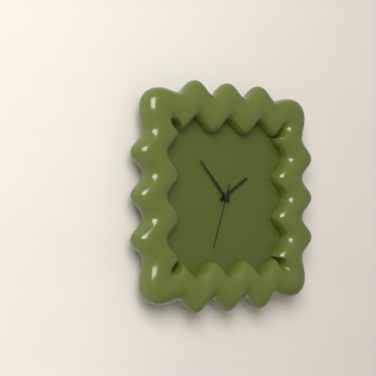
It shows {"hour": 1, "minute": 53, "second": 33}
